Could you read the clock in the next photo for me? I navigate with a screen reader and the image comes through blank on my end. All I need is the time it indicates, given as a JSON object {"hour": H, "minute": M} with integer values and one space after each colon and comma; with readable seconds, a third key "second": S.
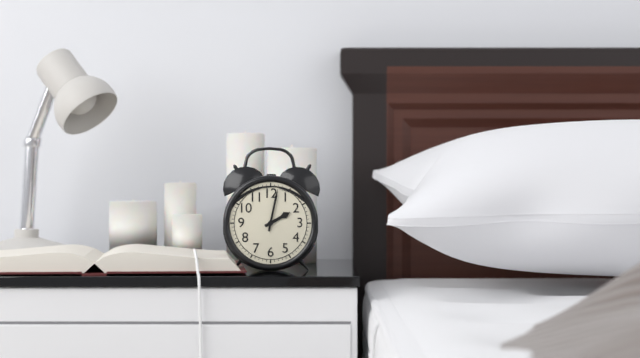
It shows {"hour": 2, "minute": 2}
